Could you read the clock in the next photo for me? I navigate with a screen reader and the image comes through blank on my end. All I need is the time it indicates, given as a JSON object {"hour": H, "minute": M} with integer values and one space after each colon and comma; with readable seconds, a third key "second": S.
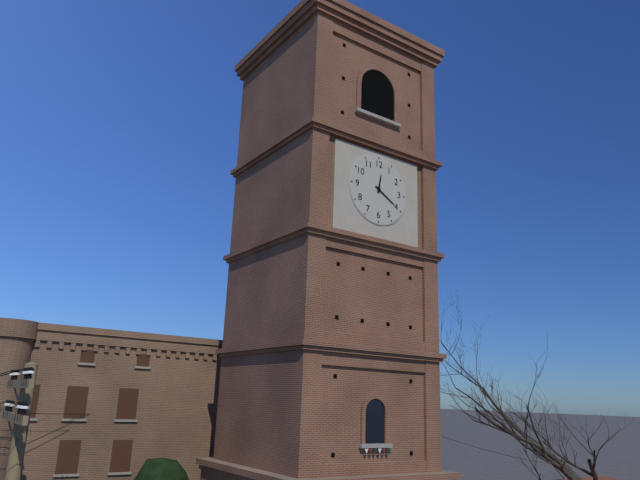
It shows {"hour": 12, "minute": 20}
